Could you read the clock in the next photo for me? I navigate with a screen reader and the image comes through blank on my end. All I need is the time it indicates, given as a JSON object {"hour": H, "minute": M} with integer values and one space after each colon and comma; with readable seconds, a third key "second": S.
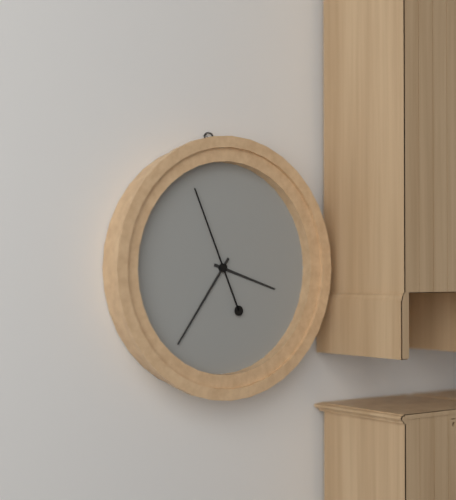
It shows {"hour": 3, "minute": 36, "second": 56}
